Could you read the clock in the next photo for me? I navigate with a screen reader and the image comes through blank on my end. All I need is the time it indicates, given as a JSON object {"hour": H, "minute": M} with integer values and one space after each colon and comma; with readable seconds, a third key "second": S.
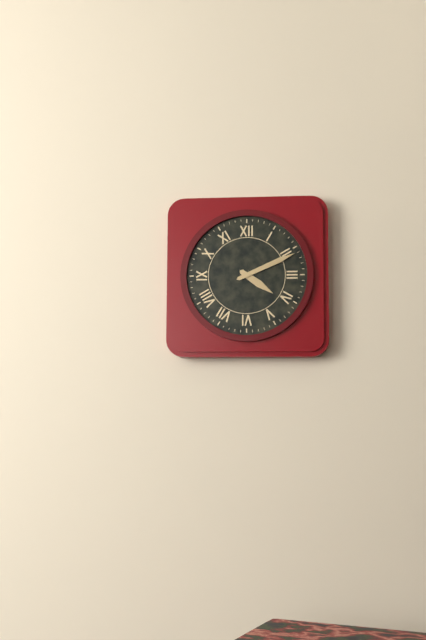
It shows {"hour": 4, "minute": 11}
